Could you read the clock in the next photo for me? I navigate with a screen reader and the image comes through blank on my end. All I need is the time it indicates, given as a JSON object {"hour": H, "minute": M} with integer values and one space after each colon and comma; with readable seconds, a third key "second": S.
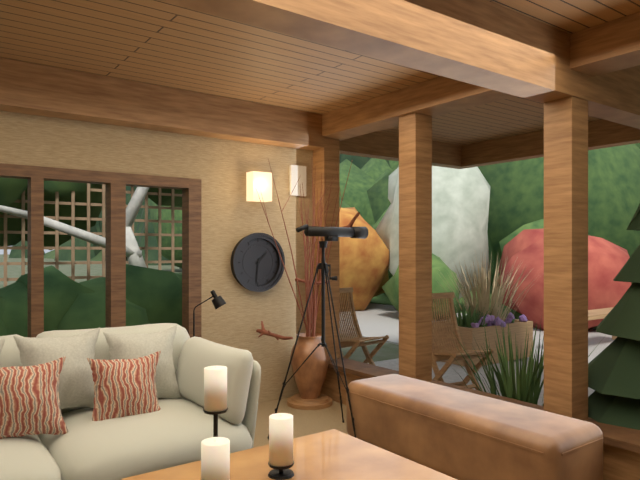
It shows {"hour": 1, "minute": 31}
